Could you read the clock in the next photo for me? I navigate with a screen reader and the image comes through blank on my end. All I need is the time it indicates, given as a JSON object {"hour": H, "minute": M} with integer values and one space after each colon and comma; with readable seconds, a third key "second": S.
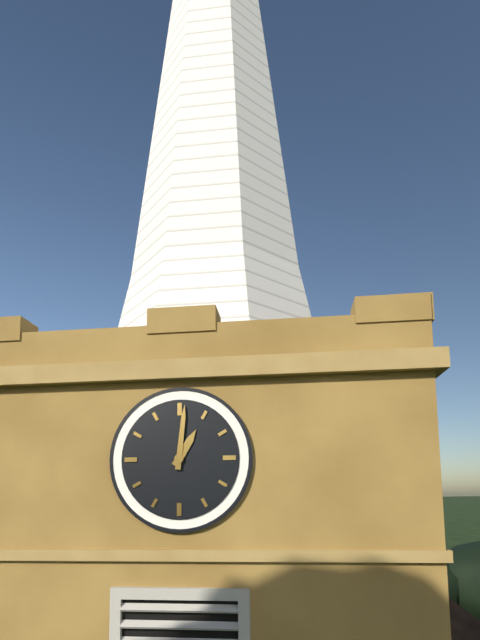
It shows {"hour": 1, "minute": 1}
